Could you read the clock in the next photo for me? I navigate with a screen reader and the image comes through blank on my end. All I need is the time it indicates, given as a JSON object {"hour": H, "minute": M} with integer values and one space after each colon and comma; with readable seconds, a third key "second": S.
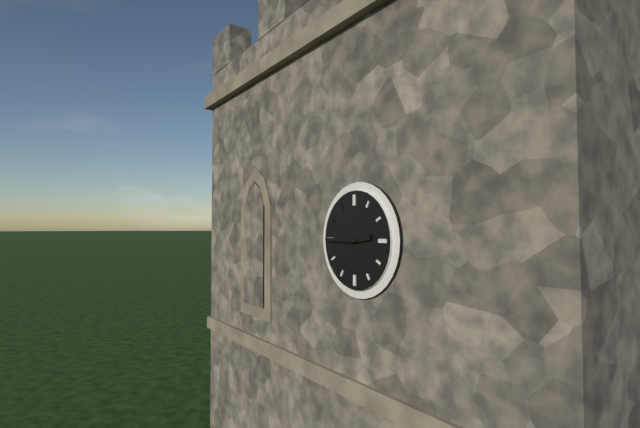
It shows {"hour": 2, "minute": 45}
